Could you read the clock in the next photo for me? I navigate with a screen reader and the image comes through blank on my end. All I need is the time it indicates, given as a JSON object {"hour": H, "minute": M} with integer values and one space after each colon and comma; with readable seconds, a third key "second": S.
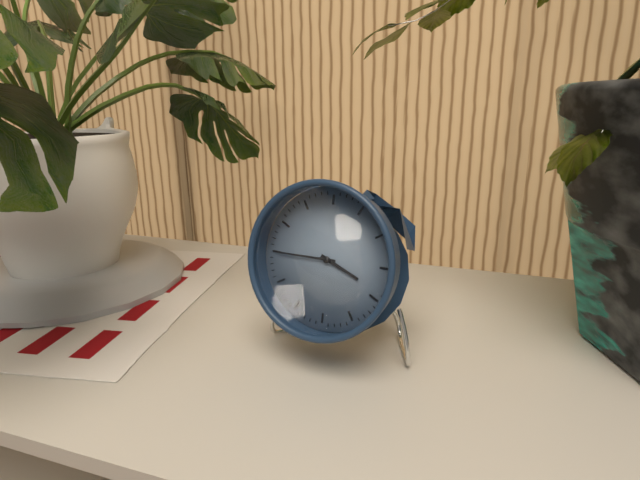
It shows {"hour": 3, "minute": 45}
